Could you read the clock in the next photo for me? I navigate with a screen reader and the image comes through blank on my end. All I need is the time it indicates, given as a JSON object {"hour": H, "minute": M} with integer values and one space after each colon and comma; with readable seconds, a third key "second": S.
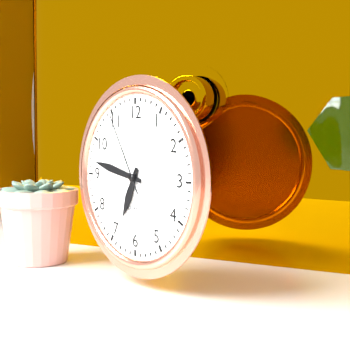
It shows {"hour": 6, "minute": 47, "second": 55}
